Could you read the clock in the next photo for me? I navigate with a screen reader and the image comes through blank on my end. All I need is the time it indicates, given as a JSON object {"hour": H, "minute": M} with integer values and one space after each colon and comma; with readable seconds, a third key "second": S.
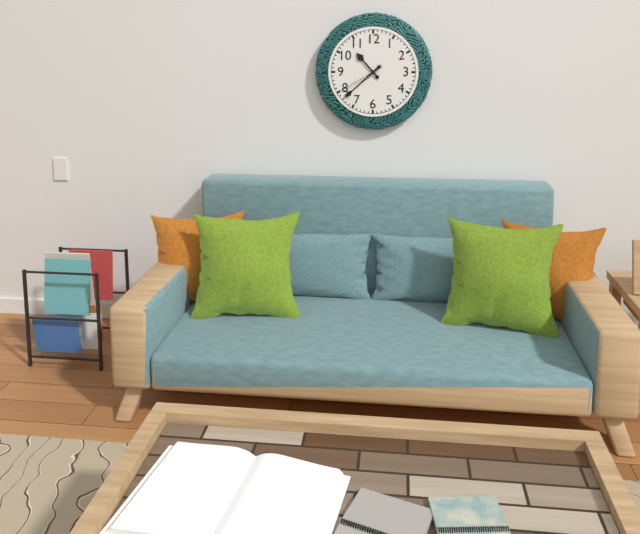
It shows {"hour": 10, "minute": 38, "second": 40}
